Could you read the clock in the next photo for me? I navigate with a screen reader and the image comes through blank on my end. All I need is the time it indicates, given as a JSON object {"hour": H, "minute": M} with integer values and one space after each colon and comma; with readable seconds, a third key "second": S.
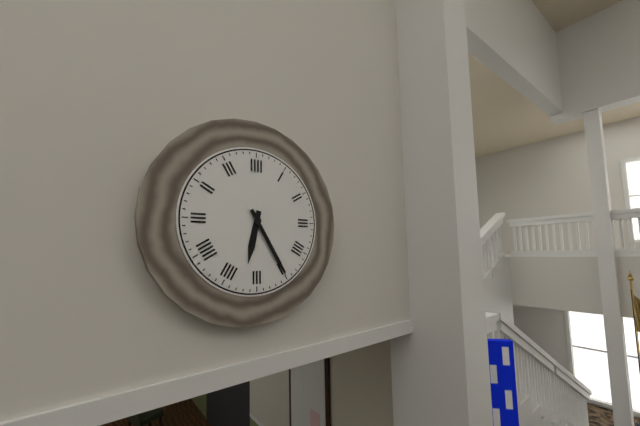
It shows {"hour": 6, "minute": 25}
